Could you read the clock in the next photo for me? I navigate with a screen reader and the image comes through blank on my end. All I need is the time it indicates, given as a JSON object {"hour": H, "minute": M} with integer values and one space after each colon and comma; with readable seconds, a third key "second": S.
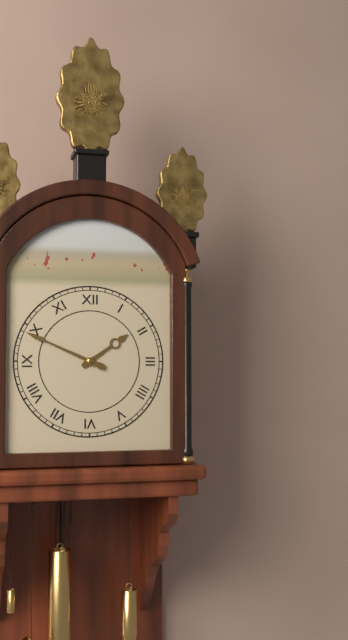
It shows {"hour": 1, "minute": 49}
